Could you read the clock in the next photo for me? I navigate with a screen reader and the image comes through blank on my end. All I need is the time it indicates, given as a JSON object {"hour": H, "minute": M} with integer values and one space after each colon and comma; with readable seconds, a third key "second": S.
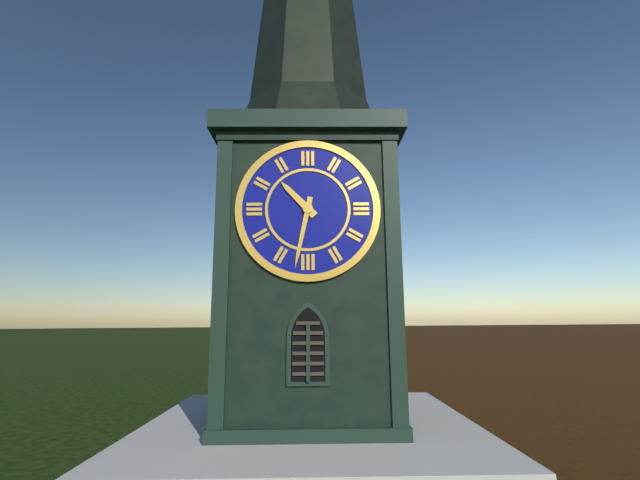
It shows {"hour": 10, "minute": 32}
